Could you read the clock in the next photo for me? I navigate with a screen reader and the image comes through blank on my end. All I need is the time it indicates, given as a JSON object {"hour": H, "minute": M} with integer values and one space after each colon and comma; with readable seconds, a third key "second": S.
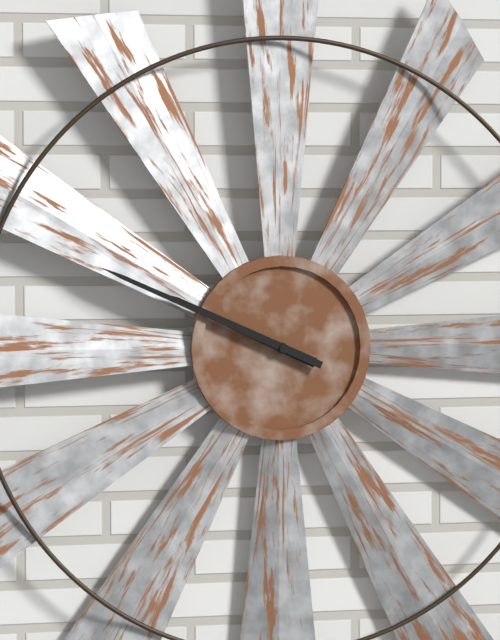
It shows {"hour": 9, "minute": 49}
